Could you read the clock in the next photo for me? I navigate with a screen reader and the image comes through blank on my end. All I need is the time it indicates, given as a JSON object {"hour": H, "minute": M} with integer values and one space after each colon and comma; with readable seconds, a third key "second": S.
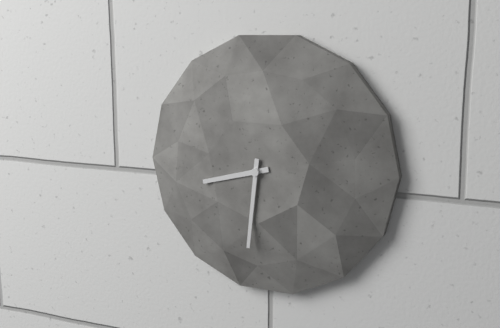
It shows {"hour": 8, "minute": 31}
